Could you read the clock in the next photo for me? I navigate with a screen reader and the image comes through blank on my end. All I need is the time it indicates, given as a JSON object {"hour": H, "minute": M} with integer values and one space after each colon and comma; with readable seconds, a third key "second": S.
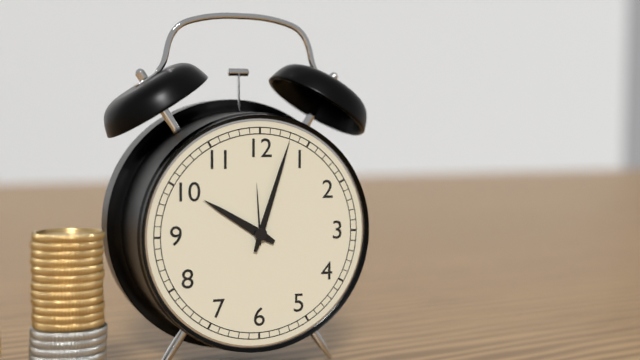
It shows {"hour": 10, "minute": 3}
